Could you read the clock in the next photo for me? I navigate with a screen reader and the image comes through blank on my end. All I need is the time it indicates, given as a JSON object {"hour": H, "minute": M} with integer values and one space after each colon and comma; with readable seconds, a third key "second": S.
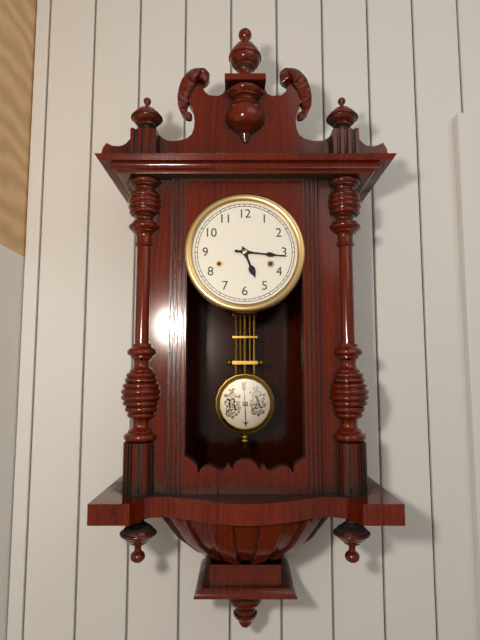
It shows {"hour": 5, "minute": 16}
